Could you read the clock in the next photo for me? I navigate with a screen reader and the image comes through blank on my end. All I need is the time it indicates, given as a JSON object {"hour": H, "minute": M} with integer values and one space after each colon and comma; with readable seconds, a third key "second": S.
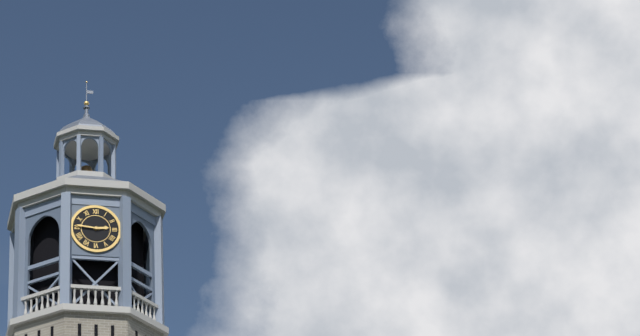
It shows {"hour": 2, "minute": 46}
